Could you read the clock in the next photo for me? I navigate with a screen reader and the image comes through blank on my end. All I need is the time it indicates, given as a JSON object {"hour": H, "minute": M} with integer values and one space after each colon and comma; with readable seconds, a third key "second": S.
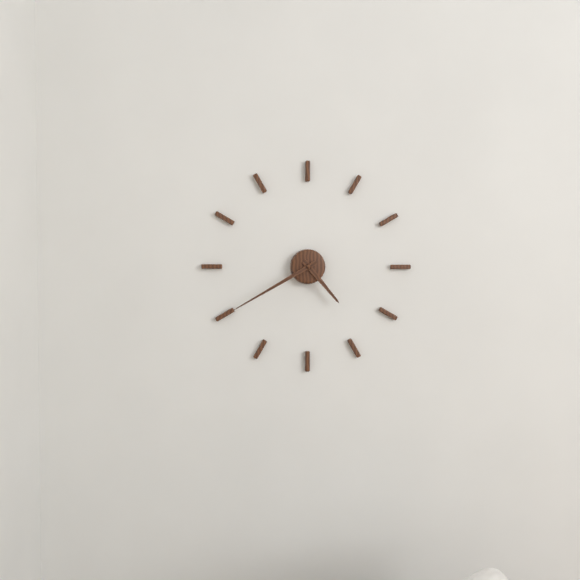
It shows {"hour": 4, "minute": 40}
